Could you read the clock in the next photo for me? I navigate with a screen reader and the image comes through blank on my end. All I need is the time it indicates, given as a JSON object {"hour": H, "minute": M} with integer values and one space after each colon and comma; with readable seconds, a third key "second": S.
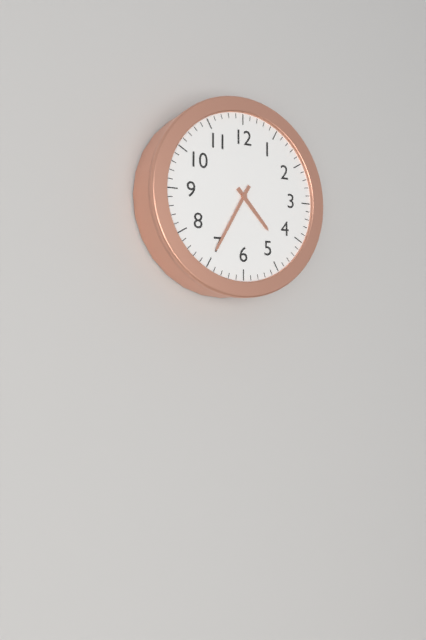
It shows {"hour": 4, "minute": 35}
